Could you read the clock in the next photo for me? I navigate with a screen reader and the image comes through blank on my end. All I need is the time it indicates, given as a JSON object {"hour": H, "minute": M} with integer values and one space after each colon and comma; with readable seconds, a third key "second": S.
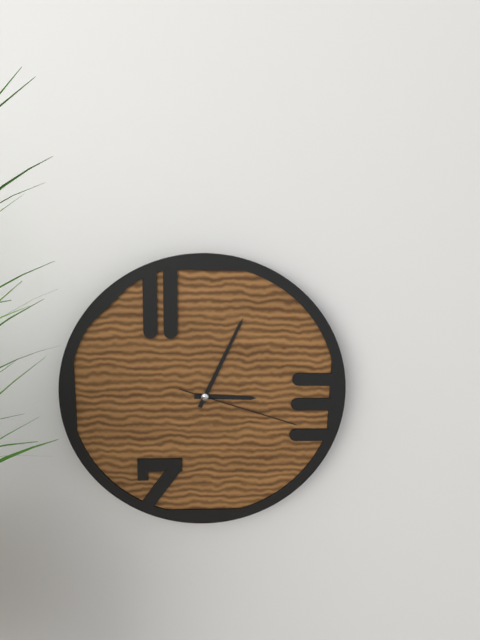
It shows {"hour": 3, "minute": 4, "second": 18}
